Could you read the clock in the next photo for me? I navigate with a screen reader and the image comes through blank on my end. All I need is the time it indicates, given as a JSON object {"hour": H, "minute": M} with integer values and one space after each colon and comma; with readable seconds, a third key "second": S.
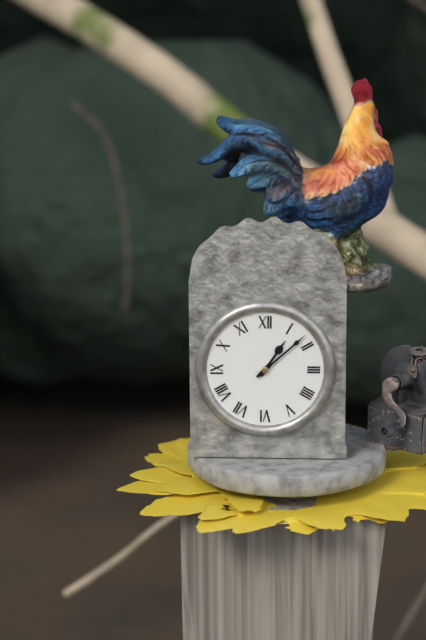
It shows {"hour": 1, "minute": 8}
